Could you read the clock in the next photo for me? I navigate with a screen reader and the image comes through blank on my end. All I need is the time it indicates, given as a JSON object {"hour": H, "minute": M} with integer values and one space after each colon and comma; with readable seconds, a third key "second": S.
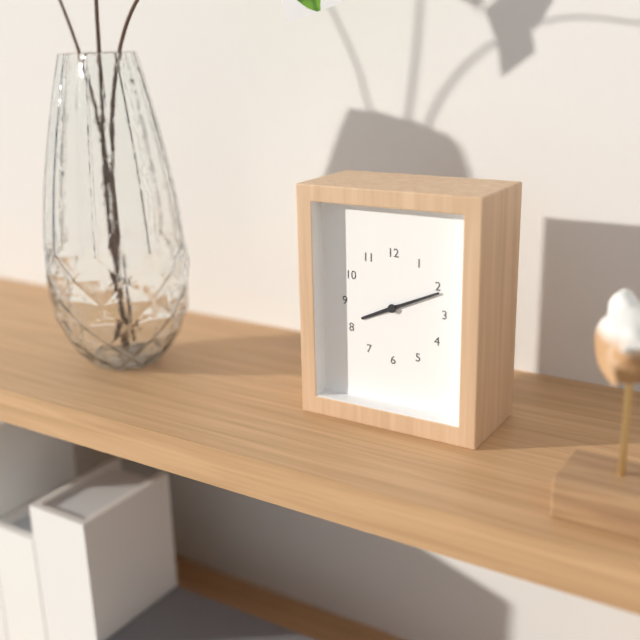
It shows {"hour": 8, "minute": 11}
